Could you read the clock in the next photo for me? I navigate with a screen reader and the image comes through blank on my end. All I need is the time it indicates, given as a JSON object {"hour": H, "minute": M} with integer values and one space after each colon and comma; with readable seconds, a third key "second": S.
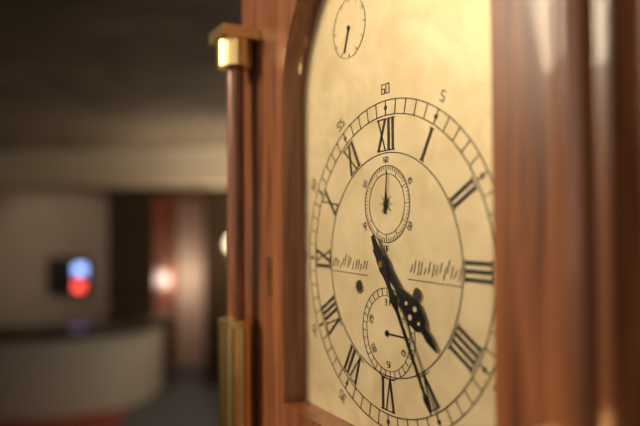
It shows {"hour": 4, "minute": 25}
